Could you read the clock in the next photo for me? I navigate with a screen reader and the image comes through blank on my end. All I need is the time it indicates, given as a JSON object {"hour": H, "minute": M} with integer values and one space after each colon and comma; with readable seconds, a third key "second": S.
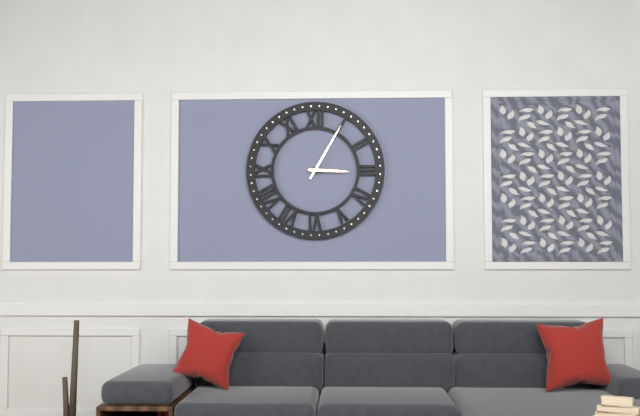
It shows {"hour": 3, "minute": 5}
